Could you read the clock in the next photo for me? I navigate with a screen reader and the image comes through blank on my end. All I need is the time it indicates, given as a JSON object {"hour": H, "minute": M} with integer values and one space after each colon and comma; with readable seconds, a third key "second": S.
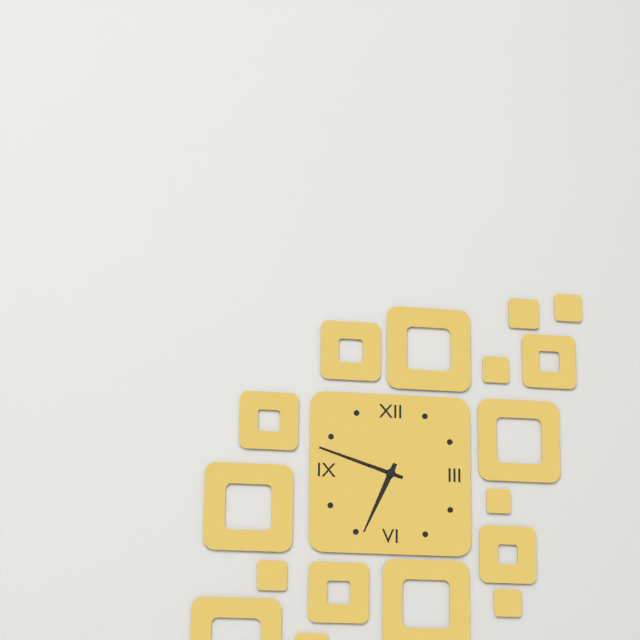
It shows {"hour": 6, "minute": 48}
